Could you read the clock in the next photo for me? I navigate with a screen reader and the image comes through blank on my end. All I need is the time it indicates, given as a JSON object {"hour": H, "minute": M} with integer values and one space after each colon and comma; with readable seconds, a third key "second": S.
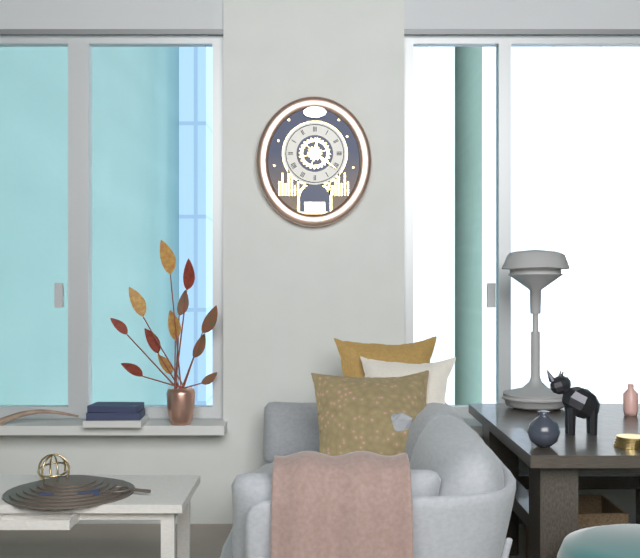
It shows {"hour": 12, "minute": 21}
